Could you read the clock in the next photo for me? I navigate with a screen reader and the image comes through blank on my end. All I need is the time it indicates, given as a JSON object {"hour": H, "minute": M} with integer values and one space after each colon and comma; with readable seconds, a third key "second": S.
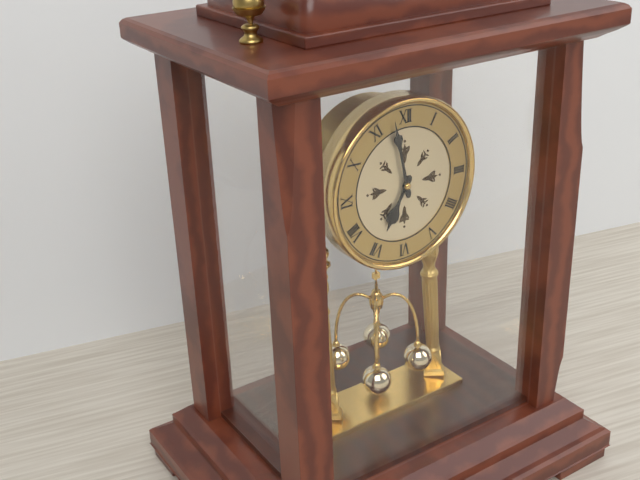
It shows {"hour": 6, "minute": 58}
